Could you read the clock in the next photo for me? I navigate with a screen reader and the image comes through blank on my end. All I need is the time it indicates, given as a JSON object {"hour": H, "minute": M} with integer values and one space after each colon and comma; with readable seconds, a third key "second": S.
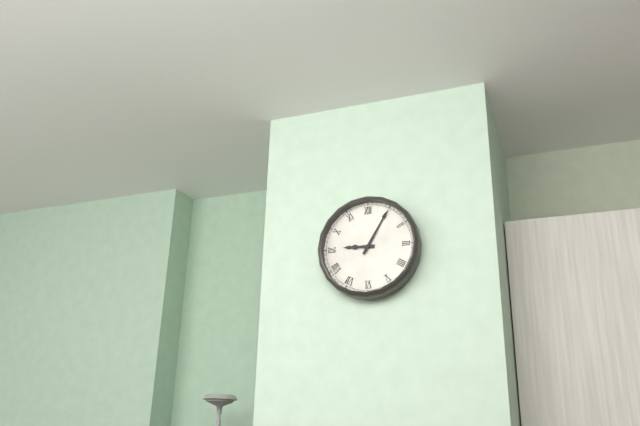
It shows {"hour": 9, "minute": 5}
